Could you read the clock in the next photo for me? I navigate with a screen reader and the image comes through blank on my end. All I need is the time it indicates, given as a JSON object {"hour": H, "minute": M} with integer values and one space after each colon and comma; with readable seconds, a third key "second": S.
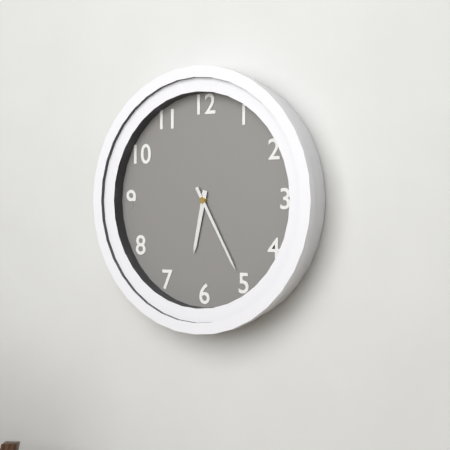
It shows {"hour": 6, "minute": 25}
